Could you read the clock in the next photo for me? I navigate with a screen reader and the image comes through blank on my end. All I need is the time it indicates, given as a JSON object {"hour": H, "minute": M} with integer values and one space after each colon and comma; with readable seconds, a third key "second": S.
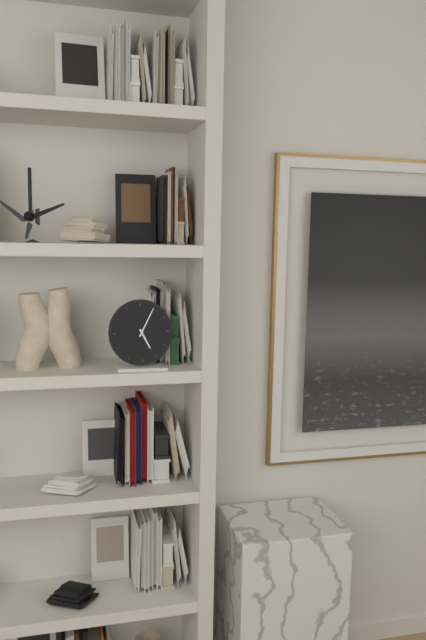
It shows {"hour": 5, "minute": 5}
